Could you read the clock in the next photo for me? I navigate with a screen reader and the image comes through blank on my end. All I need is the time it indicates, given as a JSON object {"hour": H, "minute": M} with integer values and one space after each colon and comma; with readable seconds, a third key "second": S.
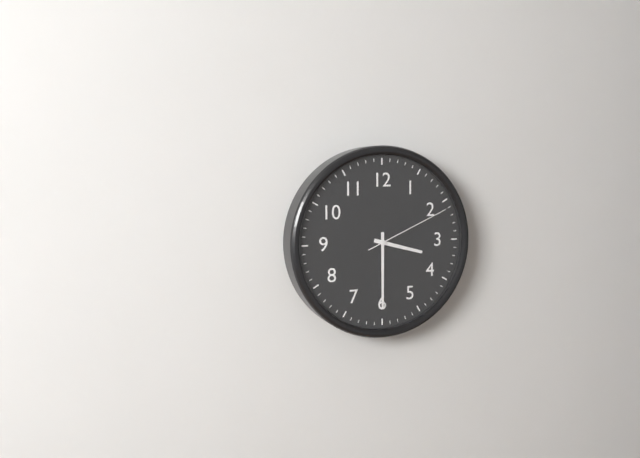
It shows {"hour": 3, "minute": 30, "second": 11}
